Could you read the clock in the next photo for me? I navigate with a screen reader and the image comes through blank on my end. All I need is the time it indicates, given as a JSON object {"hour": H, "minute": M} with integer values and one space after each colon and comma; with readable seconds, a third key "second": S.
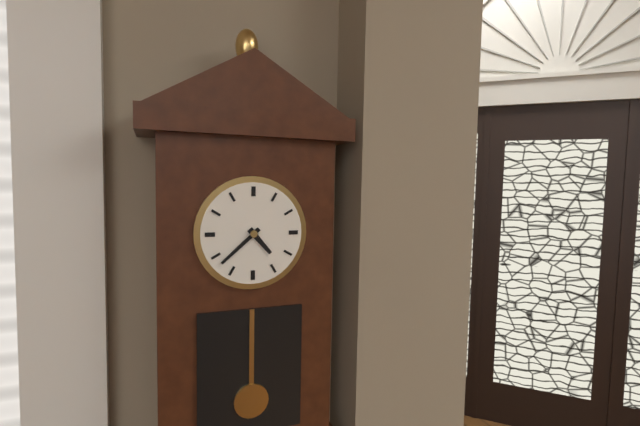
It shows {"hour": 4, "minute": 38}
